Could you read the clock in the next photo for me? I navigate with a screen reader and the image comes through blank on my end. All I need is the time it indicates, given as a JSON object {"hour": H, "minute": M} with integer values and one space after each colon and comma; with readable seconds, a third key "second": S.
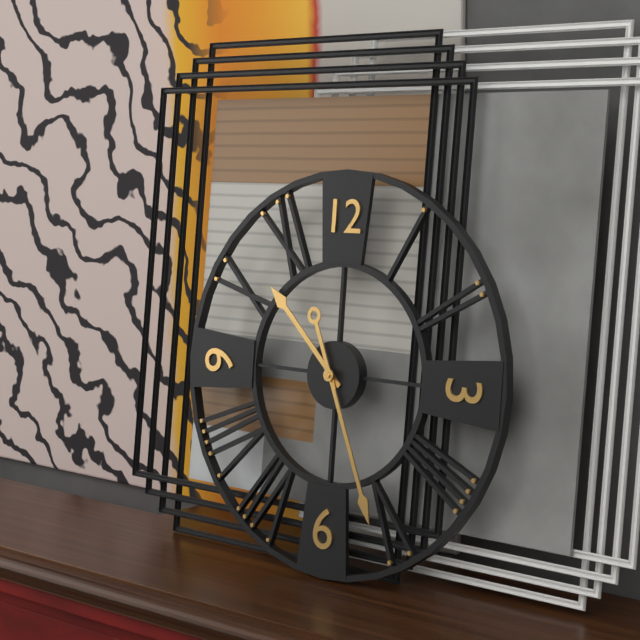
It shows {"hour": 10, "minute": 26}
